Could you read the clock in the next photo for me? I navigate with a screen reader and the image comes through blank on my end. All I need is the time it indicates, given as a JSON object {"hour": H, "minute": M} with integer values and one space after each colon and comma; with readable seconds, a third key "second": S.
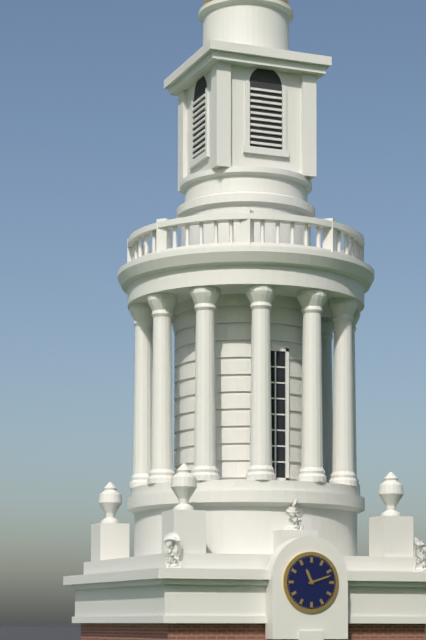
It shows {"hour": 11, "minute": 12}
